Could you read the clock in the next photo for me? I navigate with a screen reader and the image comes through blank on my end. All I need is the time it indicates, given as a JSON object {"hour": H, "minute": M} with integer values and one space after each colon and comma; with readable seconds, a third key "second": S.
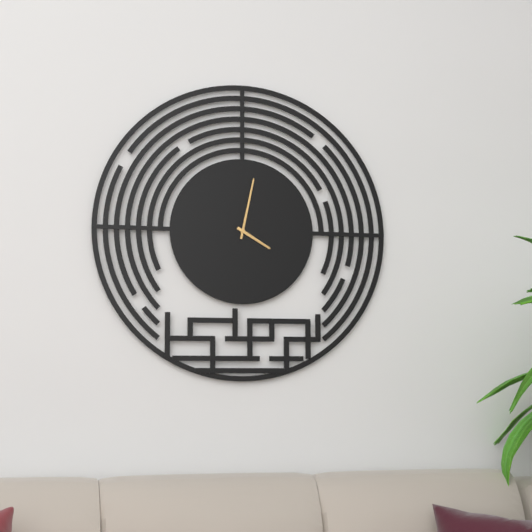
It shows {"hour": 4, "minute": 2}
